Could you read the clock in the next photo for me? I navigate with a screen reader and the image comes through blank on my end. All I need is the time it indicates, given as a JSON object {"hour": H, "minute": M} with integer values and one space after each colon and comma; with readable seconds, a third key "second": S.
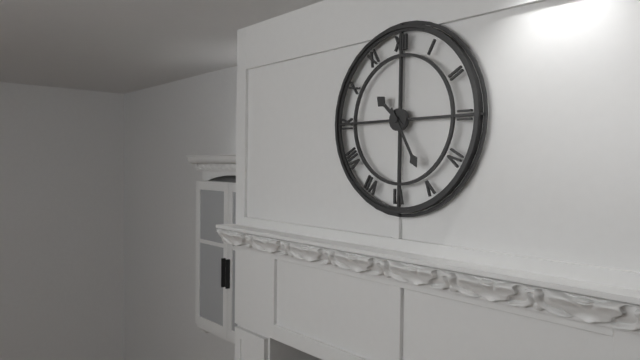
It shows {"hour": 10, "minute": 25}
